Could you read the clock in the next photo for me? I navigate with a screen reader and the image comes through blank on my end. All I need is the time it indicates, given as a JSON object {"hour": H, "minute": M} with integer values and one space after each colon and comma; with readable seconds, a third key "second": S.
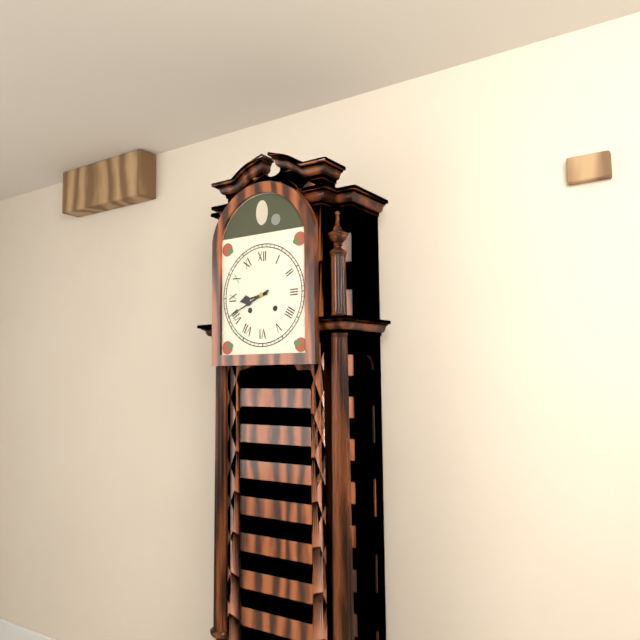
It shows {"hour": 8, "minute": 41}
